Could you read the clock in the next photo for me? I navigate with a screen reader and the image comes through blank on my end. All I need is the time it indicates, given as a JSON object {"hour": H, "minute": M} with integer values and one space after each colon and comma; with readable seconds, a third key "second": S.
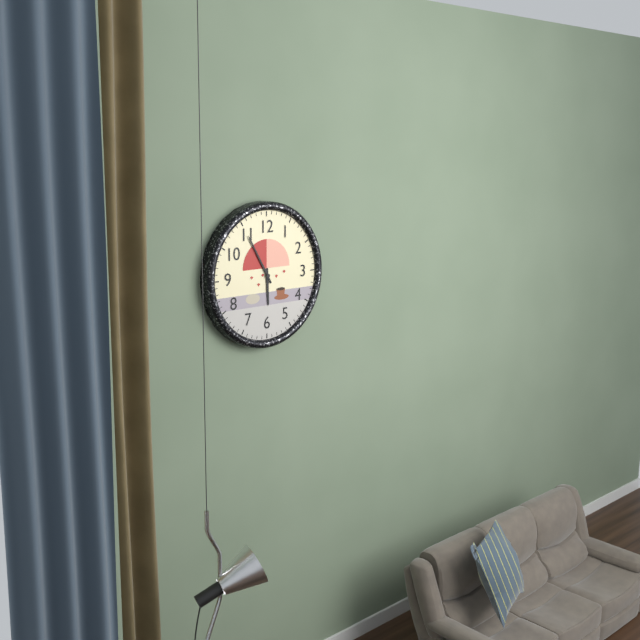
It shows {"hour": 5, "minute": 55}
